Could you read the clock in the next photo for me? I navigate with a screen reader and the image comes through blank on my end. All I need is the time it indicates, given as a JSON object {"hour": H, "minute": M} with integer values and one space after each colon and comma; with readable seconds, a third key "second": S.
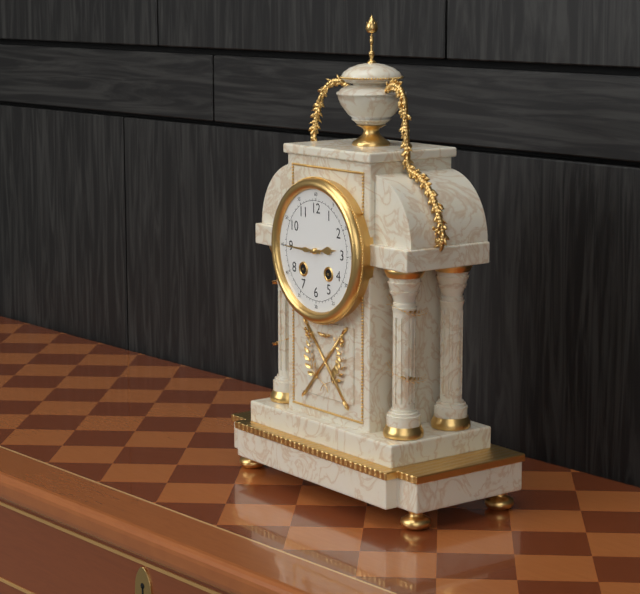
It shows {"hour": 2, "minute": 45}
